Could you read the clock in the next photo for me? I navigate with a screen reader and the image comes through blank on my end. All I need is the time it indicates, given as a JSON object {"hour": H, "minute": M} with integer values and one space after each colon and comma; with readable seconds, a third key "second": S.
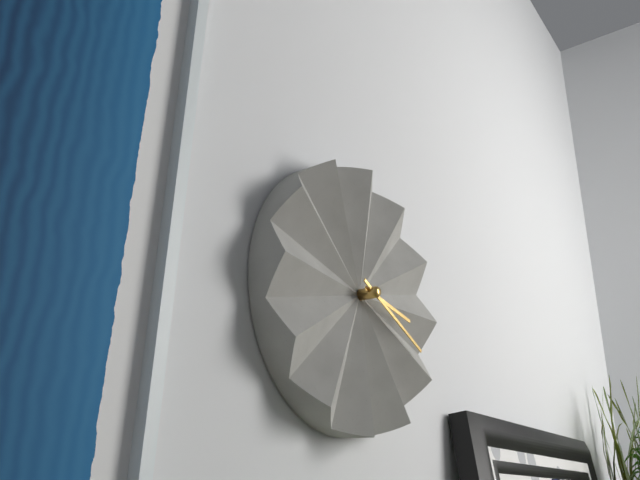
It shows {"hour": 3, "minute": 19}
